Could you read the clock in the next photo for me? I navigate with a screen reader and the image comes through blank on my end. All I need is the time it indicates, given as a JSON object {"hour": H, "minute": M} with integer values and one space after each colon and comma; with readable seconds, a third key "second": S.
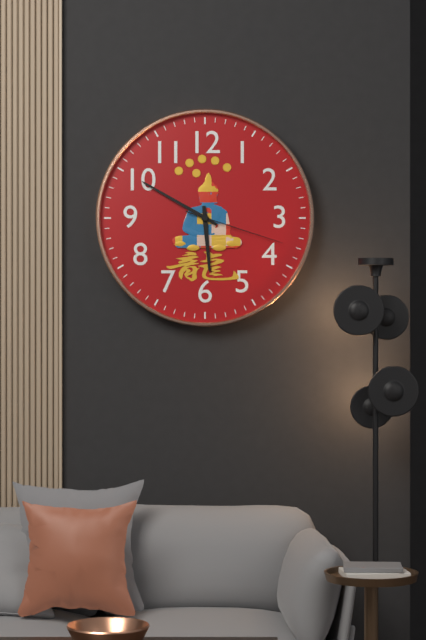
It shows {"hour": 5, "minute": 50, "second": 18}
